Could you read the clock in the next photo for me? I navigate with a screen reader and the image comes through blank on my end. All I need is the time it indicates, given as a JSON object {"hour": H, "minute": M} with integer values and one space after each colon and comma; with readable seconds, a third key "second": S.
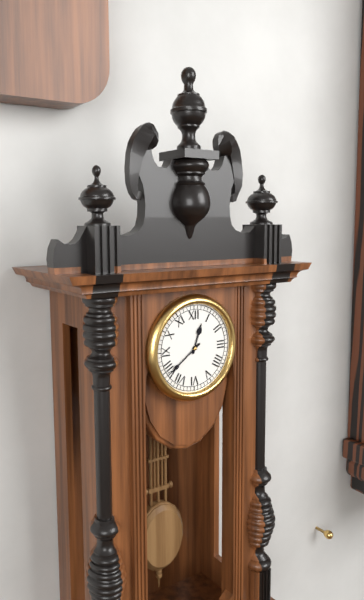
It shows {"hour": 12, "minute": 39}
